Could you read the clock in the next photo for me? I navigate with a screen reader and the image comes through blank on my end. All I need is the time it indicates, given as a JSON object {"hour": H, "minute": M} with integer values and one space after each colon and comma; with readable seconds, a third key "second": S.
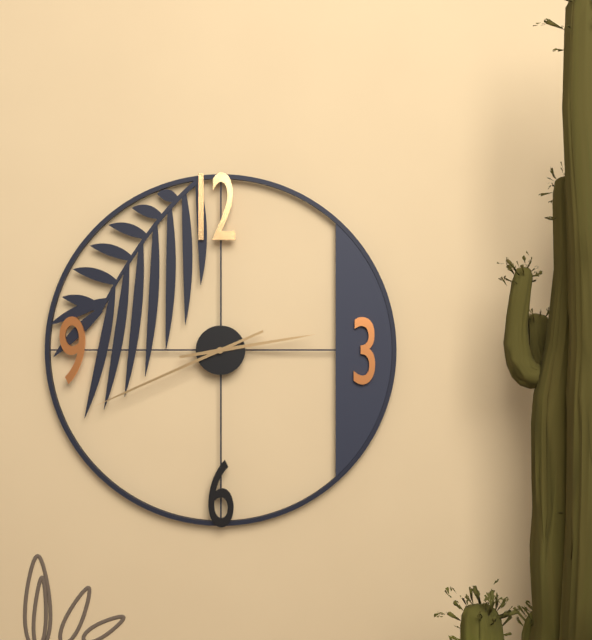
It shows {"hour": 2, "minute": 41}
